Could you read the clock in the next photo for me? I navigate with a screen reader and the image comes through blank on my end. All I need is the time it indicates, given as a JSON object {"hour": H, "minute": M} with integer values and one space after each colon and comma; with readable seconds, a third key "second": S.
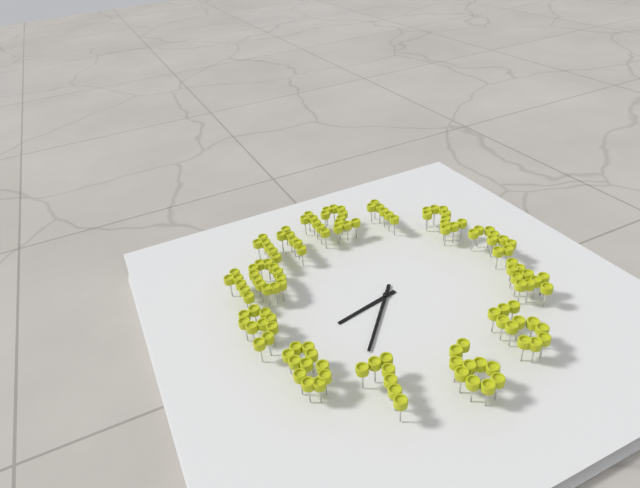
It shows {"hour": 8, "minute": 37}
